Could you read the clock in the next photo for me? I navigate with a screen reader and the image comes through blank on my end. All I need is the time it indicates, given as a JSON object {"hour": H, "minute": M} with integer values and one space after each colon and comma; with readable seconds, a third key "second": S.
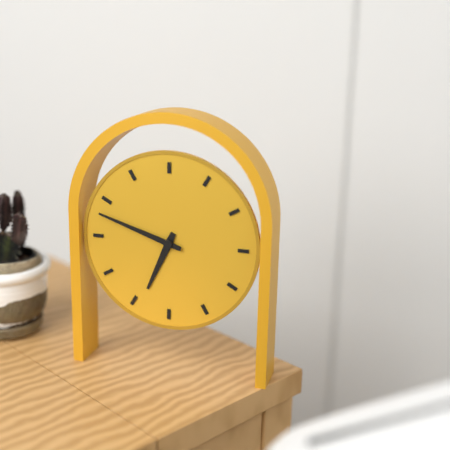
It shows {"hour": 6, "minute": 48}
